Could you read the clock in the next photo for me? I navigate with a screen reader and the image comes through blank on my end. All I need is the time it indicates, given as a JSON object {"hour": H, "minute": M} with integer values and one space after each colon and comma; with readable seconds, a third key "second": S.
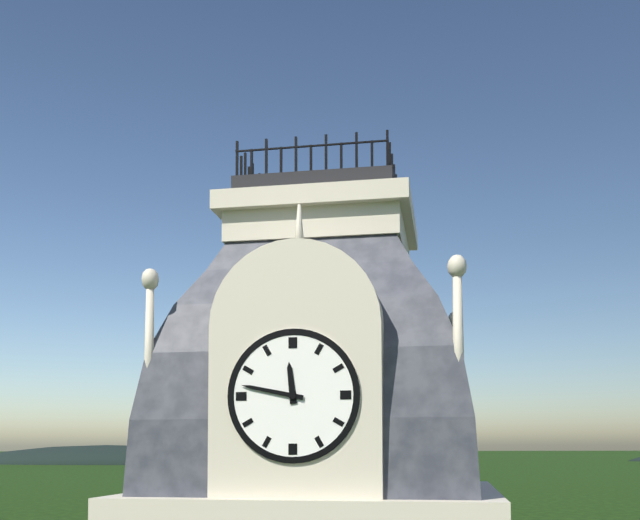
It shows {"hour": 11, "minute": 47}
